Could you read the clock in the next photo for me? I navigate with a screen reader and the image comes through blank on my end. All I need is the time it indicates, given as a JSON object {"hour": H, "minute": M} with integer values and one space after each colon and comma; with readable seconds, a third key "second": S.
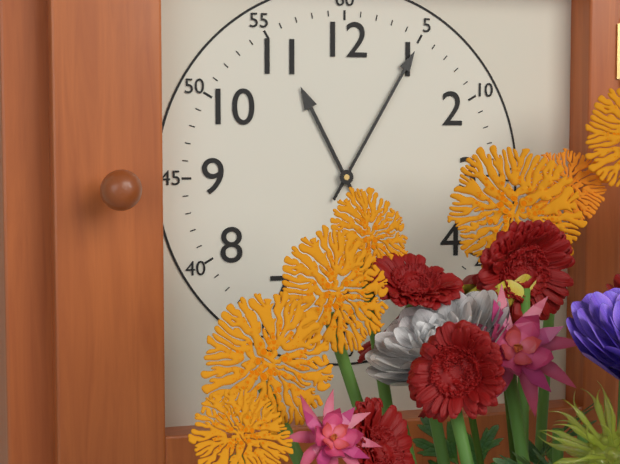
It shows {"hour": 11, "minute": 5}
